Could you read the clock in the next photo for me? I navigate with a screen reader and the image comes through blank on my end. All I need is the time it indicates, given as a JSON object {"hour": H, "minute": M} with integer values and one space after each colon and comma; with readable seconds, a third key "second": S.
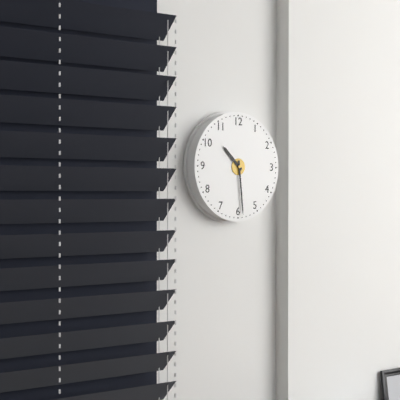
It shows {"hour": 10, "minute": 29}
